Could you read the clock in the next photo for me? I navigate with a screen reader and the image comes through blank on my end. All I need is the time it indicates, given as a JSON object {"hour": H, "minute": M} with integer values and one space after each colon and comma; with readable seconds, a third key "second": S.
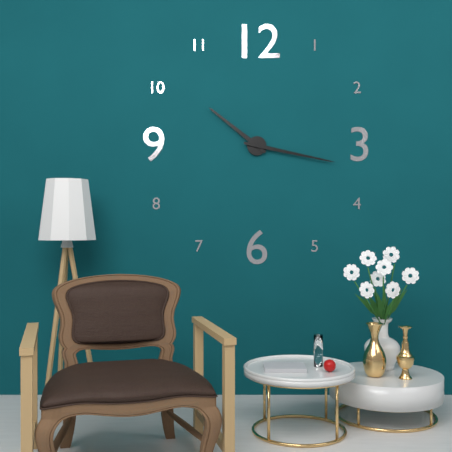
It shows {"hour": 10, "minute": 17}
